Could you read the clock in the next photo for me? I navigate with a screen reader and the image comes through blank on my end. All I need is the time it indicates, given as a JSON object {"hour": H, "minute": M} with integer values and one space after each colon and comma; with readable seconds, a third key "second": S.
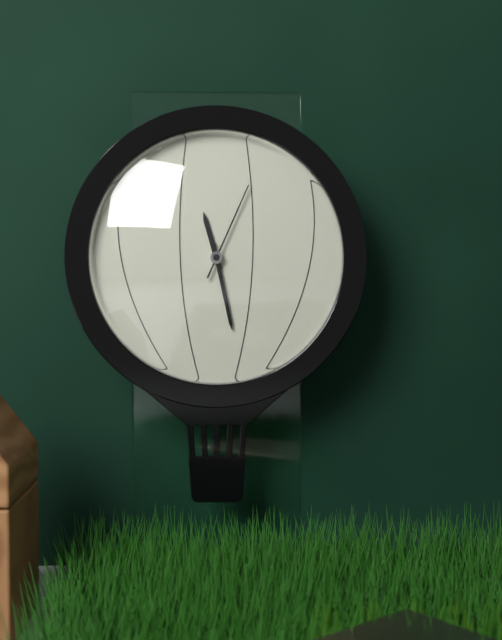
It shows {"hour": 11, "minute": 28, "second": 4}
